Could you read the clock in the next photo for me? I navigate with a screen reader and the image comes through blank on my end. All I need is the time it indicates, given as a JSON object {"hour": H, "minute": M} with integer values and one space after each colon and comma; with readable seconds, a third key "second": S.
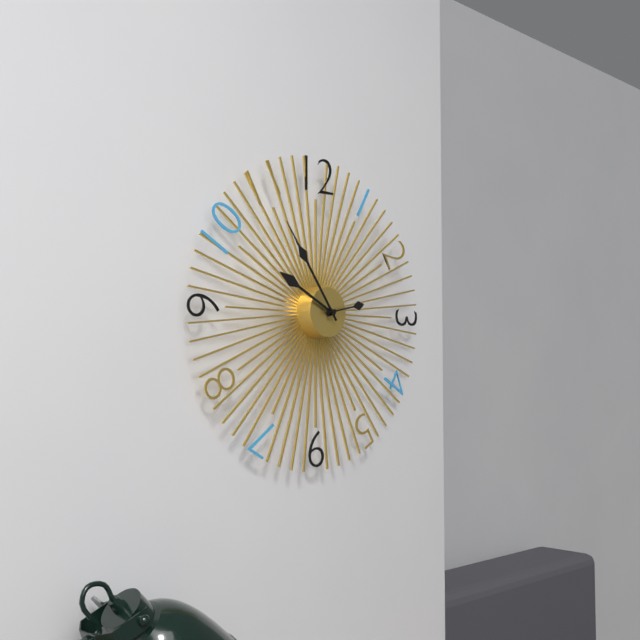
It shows {"hour": 9, "minute": 54, "second": 13}
